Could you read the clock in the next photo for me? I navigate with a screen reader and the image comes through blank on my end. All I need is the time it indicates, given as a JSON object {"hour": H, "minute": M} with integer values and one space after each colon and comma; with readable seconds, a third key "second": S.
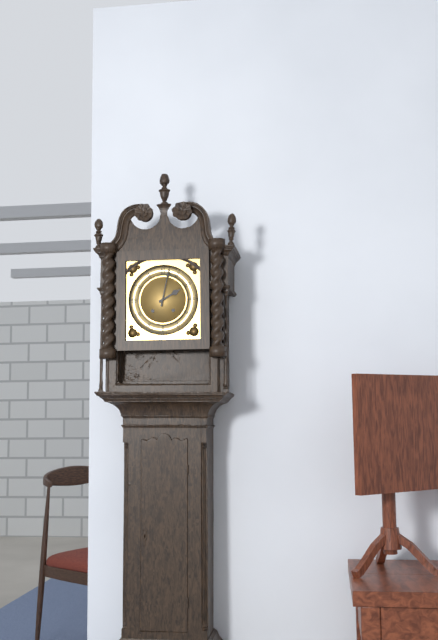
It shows {"hour": 2, "minute": 2}
